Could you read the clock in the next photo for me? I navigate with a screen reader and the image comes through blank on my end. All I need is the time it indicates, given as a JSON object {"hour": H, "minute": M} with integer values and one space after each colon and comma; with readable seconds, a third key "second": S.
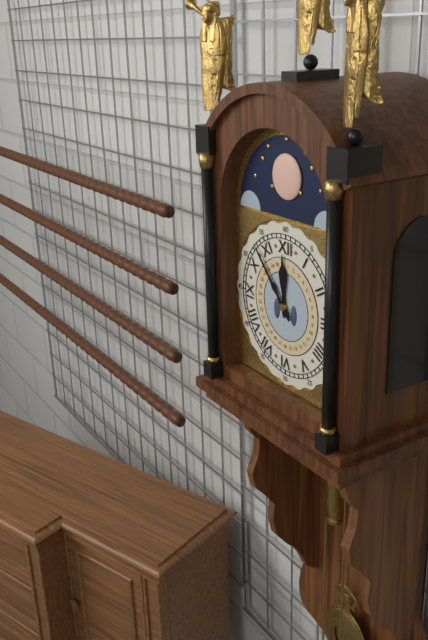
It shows {"hour": 11, "minute": 53}
